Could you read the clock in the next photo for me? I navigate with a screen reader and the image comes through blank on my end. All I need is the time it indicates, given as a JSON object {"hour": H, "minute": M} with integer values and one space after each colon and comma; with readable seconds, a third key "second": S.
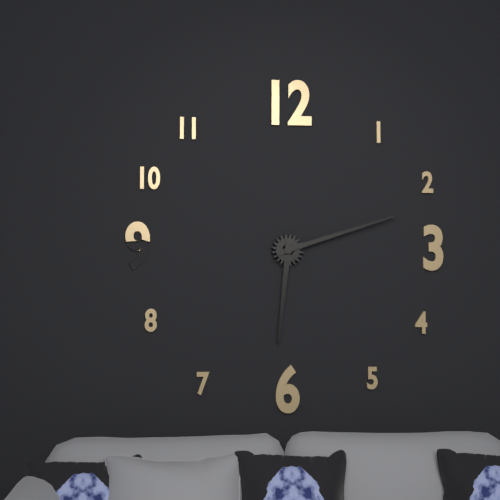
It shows {"hour": 6, "minute": 12}
